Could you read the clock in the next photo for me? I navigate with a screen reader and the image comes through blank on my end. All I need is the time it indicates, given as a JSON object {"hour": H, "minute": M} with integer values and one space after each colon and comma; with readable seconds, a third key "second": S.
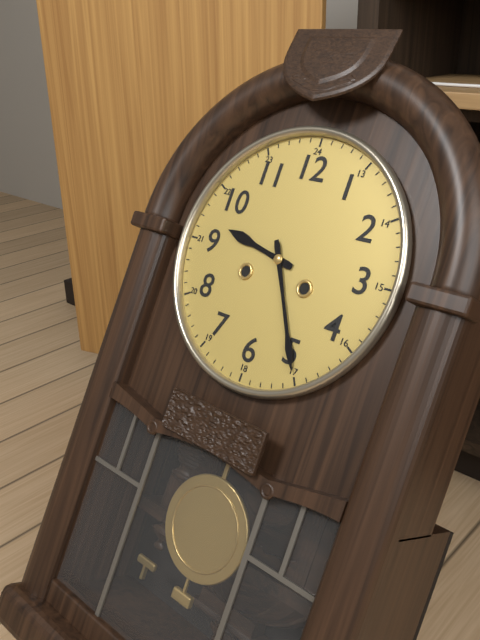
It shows {"hour": 9, "minute": 25}
